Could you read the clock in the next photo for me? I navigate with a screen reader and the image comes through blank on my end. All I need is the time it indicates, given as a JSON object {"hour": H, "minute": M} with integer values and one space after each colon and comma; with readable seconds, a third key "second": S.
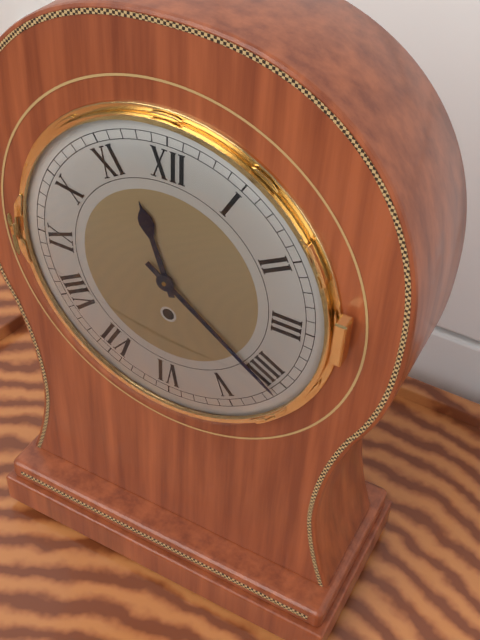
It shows {"hour": 11, "minute": 21}
